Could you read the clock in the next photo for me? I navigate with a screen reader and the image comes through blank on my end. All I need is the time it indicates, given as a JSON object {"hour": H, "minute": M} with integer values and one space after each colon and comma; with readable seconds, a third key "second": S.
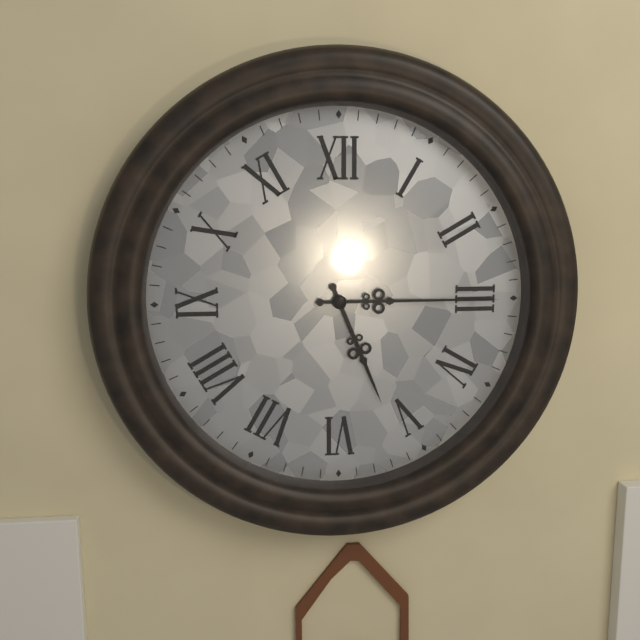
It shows {"hour": 5, "minute": 15}
